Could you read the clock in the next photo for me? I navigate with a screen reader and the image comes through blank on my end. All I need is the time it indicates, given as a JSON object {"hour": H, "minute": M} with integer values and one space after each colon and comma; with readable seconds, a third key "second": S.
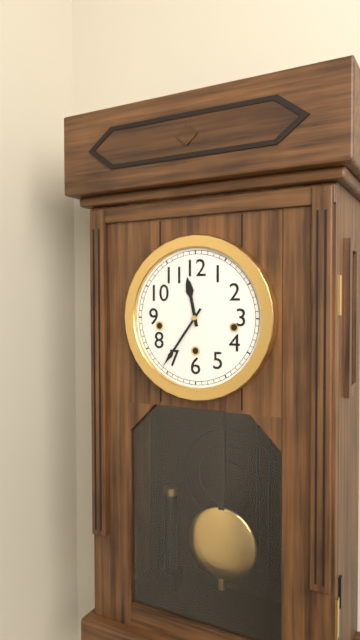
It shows {"hour": 11, "minute": 36}
